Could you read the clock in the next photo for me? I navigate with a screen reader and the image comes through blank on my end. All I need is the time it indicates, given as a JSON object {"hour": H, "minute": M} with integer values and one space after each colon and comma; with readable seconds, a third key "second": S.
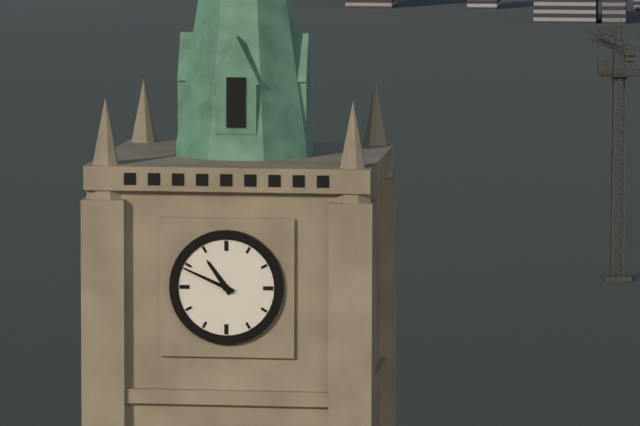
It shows {"hour": 10, "minute": 49}
